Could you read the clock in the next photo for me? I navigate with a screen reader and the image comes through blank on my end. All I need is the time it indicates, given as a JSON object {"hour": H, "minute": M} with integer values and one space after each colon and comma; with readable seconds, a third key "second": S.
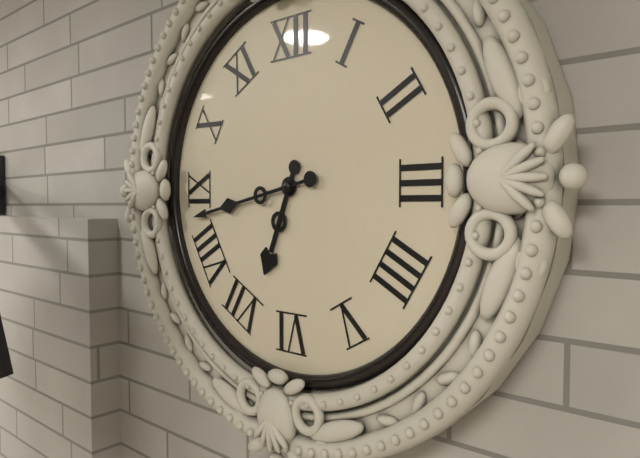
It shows {"hour": 6, "minute": 43}
